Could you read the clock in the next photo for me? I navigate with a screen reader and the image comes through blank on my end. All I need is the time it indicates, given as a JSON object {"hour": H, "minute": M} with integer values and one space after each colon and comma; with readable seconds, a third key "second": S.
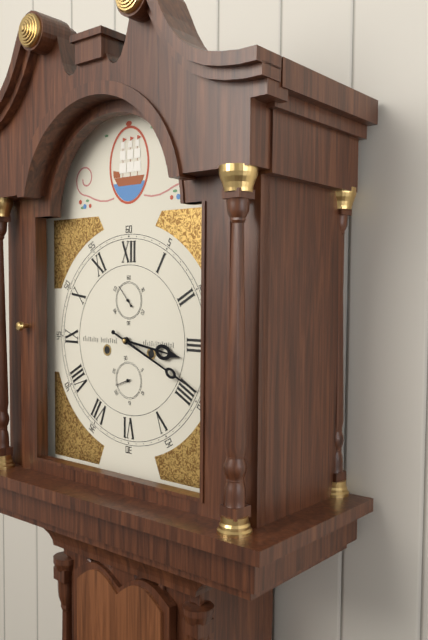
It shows {"hour": 3, "minute": 19}
